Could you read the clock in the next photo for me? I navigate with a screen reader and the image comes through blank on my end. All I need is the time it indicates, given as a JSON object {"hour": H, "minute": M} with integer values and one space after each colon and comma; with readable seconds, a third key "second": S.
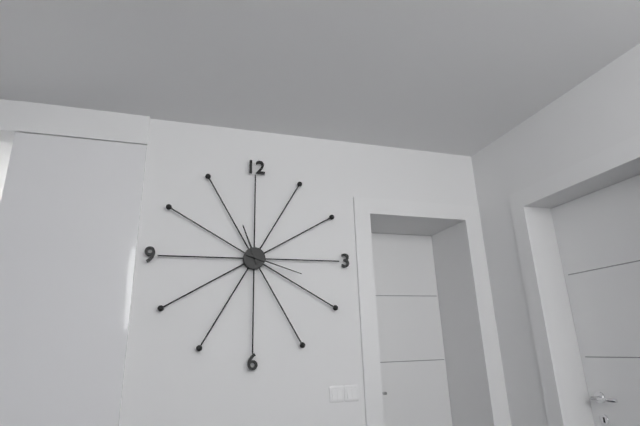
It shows {"hour": 11, "minute": 18}
